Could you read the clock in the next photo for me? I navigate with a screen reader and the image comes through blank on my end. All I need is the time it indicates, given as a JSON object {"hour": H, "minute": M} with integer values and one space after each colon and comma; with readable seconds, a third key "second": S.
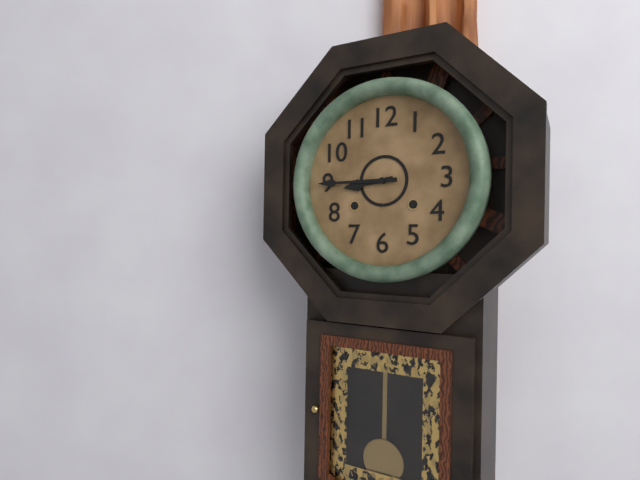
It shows {"hour": 8, "minute": 45}
